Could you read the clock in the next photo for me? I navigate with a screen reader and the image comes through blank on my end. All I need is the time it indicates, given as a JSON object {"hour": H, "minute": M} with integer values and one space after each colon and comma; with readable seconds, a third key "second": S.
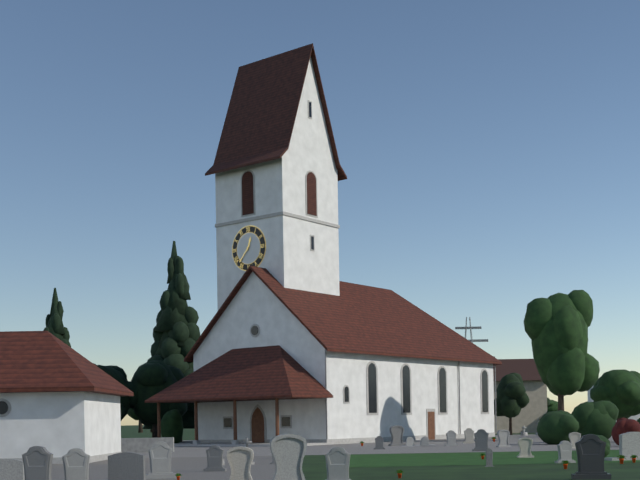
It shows {"hour": 12, "minute": 37}
